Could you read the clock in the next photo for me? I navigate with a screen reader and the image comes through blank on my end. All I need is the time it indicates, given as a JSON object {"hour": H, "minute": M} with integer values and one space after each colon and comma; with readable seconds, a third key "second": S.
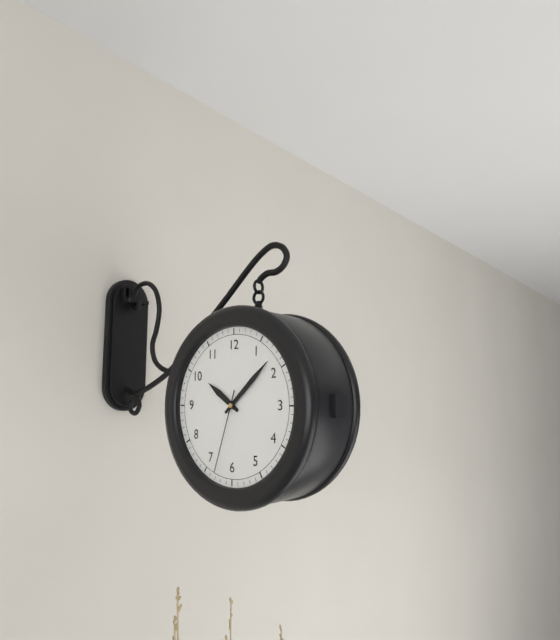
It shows {"hour": 10, "minute": 8, "second": 33}
